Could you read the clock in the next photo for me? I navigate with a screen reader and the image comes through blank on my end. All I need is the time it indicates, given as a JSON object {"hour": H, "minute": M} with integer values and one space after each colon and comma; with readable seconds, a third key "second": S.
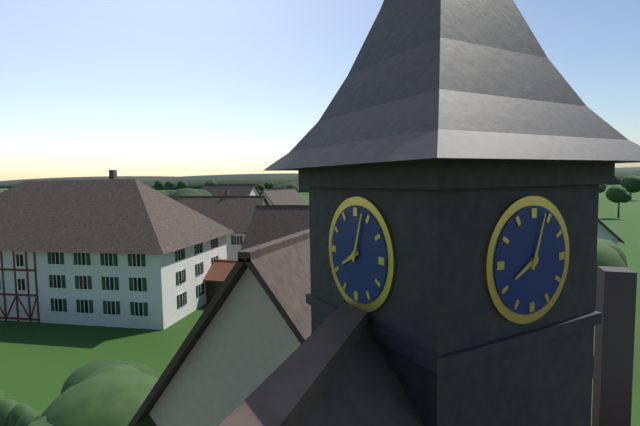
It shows {"hour": 8, "minute": 3}
